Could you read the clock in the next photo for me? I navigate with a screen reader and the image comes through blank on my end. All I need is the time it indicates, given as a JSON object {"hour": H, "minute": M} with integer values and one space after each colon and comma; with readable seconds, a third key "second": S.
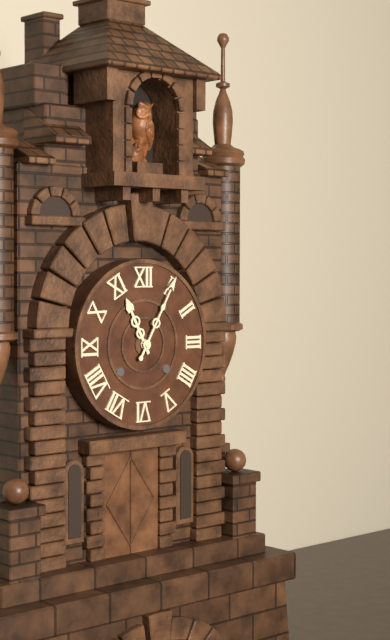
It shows {"hour": 11, "minute": 5}
